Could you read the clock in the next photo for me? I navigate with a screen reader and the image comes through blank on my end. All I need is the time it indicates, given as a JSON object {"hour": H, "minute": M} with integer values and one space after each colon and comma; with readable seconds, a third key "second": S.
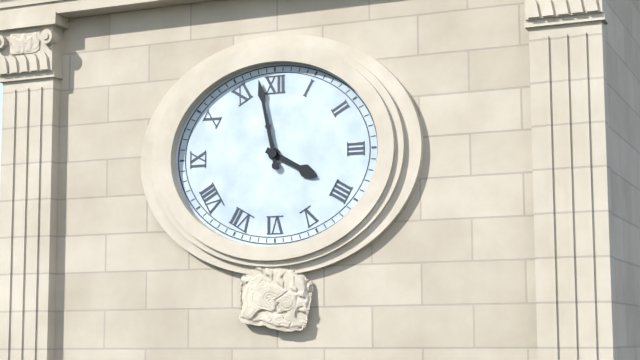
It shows {"hour": 3, "minute": 58}
